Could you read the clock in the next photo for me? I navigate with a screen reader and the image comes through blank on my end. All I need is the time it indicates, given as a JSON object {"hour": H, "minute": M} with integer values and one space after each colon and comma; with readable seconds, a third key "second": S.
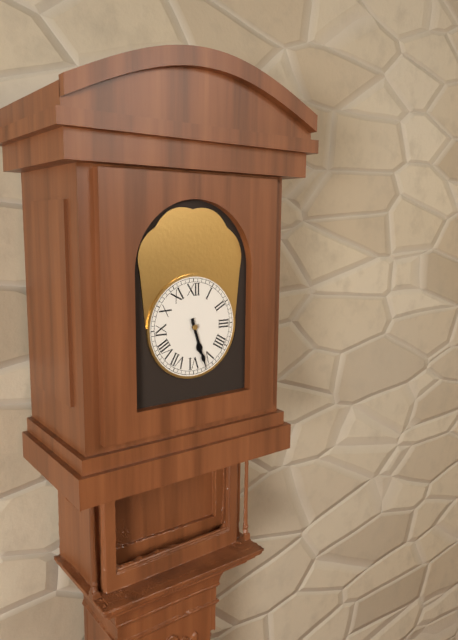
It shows {"hour": 5, "minute": 27}
